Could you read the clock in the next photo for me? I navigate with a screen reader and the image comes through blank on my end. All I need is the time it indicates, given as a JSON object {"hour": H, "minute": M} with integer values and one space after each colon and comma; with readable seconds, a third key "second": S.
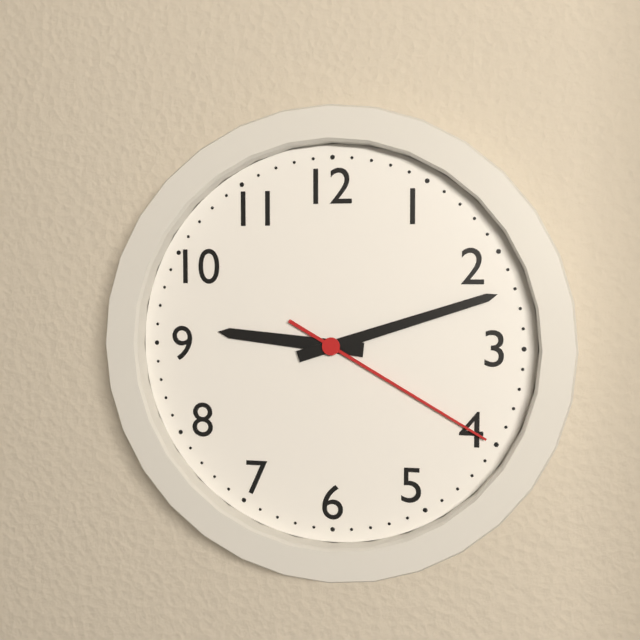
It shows {"hour": 9, "minute": 12, "second": 20}
